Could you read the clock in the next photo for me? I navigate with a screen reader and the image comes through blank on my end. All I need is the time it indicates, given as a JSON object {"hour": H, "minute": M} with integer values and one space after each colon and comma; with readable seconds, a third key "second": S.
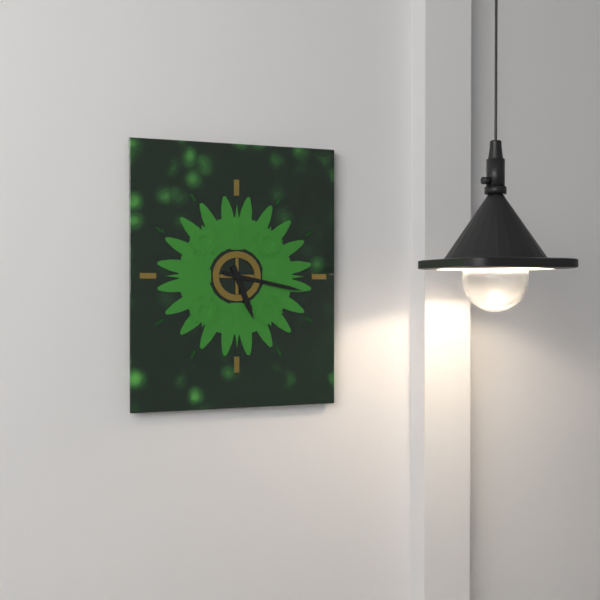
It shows {"hour": 5, "minute": 17}
